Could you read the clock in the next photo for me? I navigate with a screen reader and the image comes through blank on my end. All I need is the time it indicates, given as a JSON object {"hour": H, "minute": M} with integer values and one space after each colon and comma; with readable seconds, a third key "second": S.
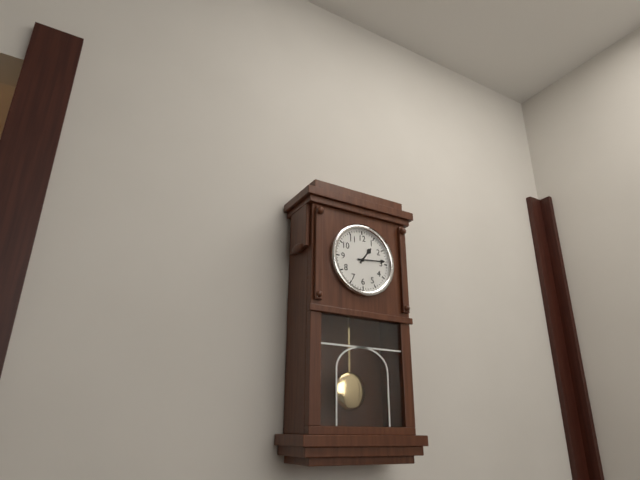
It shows {"hour": 1, "minute": 14}
